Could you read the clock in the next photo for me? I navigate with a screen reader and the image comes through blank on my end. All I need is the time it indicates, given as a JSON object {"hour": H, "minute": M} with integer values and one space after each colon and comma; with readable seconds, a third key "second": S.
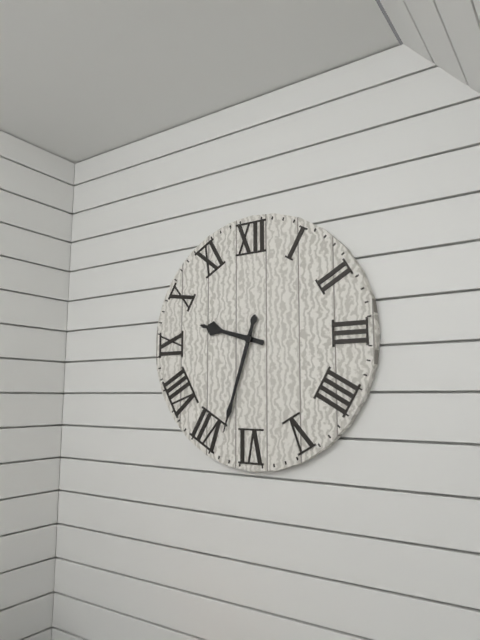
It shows {"hour": 9, "minute": 33}
